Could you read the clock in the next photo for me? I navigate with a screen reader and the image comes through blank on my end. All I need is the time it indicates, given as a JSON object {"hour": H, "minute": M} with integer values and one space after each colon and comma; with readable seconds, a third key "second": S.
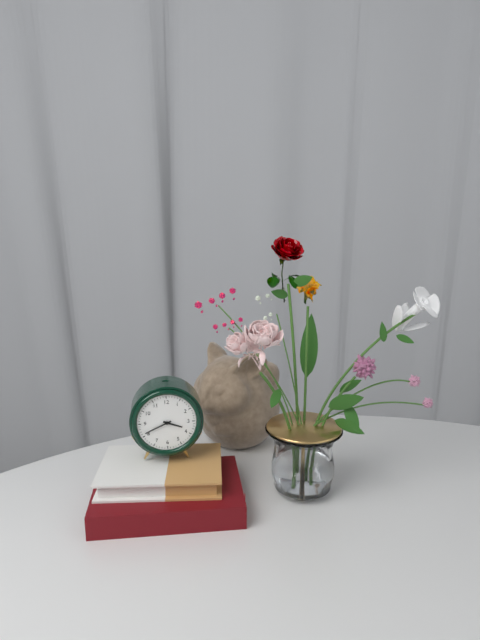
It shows {"hour": 3, "minute": 41}
